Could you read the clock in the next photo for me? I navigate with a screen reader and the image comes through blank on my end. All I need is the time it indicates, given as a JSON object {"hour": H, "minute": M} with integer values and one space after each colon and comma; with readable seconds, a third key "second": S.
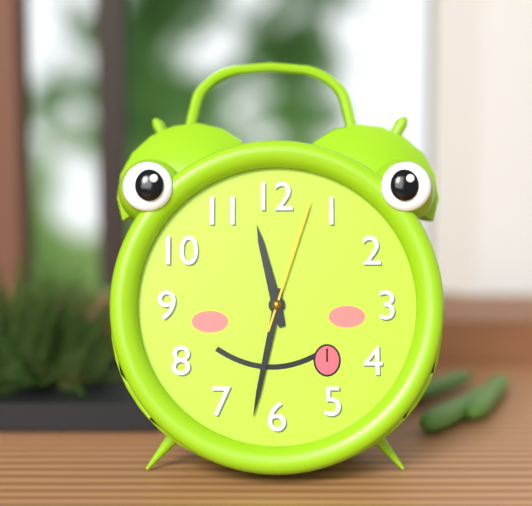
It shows {"hour": 11, "minute": 32, "second": 3}
